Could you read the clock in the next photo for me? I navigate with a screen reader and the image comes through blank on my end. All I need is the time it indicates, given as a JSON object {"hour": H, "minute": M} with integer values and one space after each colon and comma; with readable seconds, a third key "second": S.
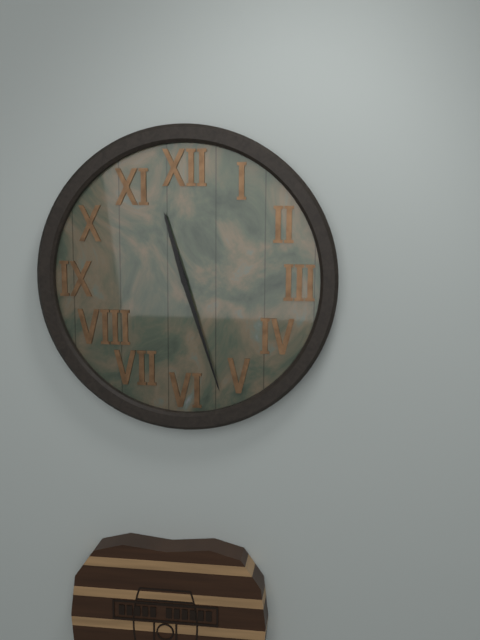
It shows {"hour": 11, "minute": 27}
